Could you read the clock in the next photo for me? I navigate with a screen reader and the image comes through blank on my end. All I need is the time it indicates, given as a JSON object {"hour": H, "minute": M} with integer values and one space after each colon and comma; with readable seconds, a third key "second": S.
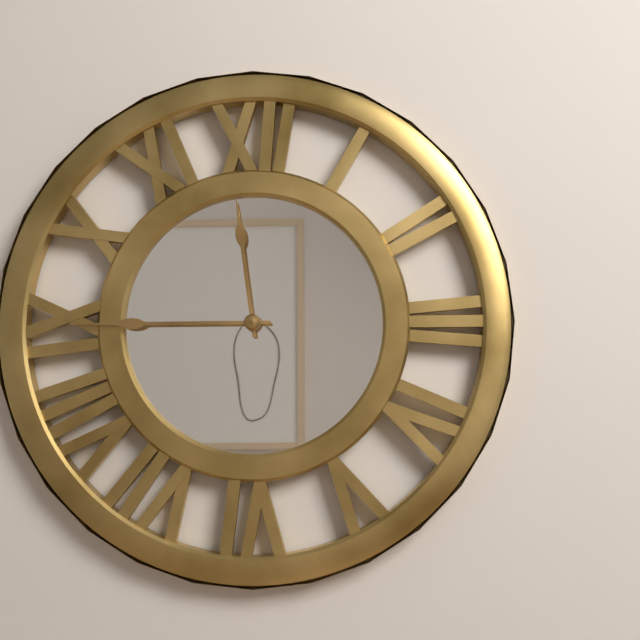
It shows {"hour": 11, "minute": 45}
